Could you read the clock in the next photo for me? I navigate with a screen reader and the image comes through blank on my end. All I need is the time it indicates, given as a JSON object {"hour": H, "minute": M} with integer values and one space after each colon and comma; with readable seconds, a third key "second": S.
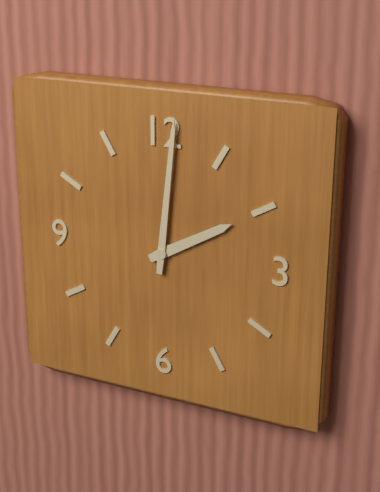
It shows {"hour": 2, "minute": 1}
